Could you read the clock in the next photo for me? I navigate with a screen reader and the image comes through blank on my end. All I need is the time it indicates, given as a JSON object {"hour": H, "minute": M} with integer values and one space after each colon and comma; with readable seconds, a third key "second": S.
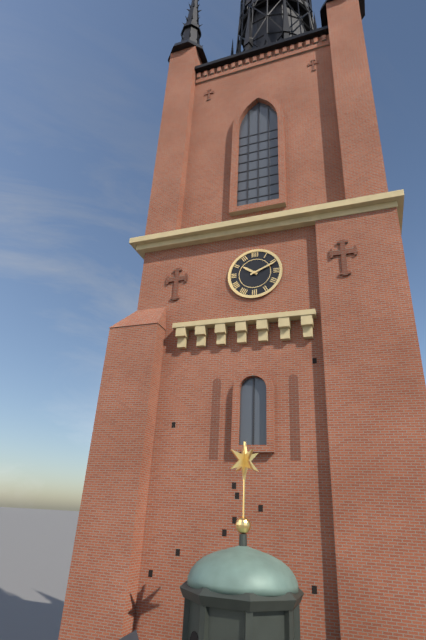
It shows {"hour": 10, "minute": 11}
